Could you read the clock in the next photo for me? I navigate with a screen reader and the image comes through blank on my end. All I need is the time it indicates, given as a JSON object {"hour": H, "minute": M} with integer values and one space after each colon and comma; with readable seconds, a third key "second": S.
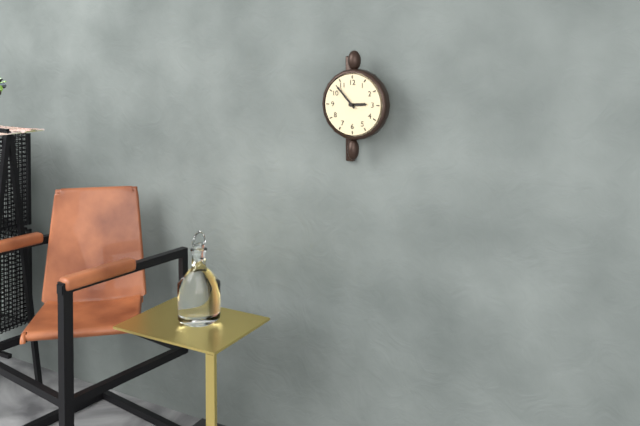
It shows {"hour": 2, "minute": 53}
